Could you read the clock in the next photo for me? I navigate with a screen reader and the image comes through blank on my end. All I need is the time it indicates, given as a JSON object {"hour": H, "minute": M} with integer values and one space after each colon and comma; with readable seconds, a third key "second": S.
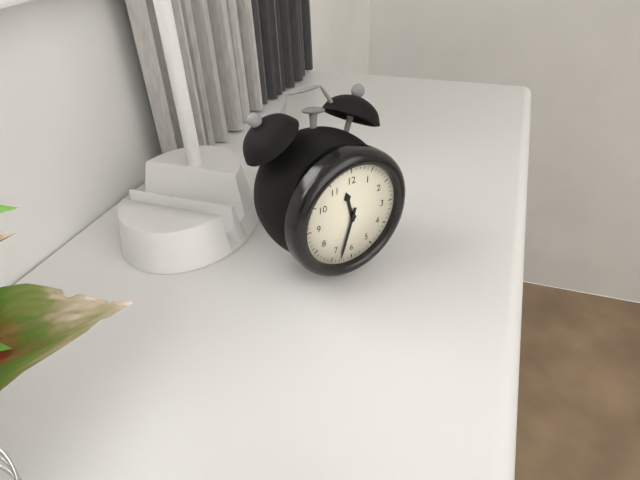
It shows {"hour": 11, "minute": 33}
